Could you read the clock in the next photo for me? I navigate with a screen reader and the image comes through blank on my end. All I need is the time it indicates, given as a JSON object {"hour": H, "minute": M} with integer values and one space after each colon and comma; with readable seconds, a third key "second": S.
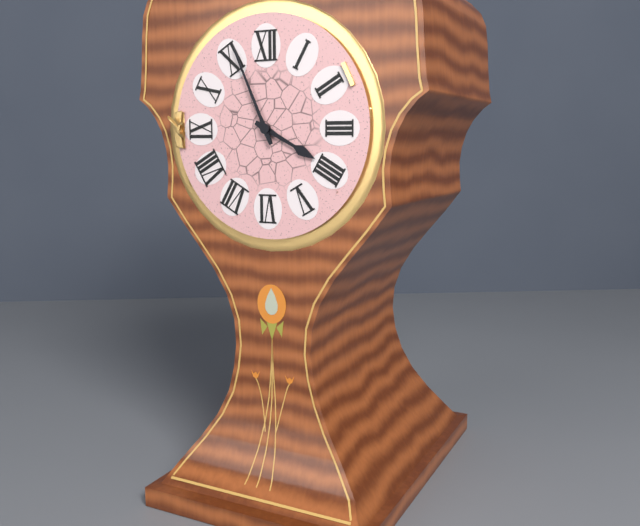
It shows {"hour": 3, "minute": 56}
